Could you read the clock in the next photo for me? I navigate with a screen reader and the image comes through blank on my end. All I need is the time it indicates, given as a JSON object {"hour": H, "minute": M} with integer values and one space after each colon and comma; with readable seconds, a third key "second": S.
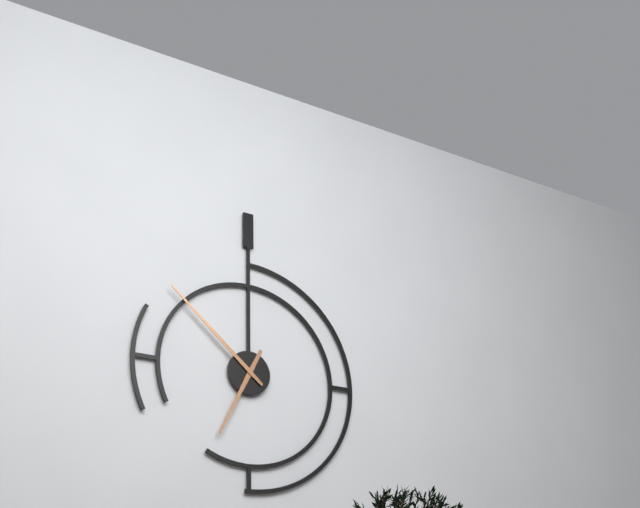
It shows {"hour": 6, "minute": 52}
